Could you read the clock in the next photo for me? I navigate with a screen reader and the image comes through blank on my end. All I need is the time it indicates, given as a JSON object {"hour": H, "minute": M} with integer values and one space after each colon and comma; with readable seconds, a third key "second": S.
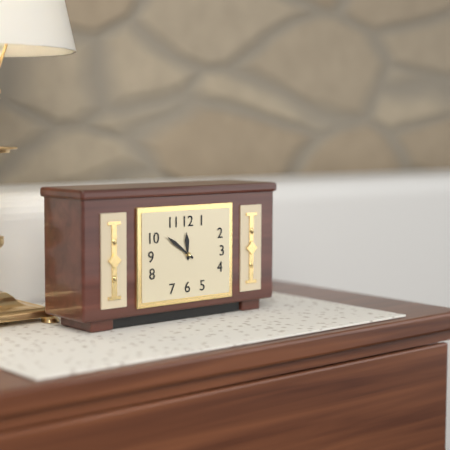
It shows {"hour": 11, "minute": 51}
